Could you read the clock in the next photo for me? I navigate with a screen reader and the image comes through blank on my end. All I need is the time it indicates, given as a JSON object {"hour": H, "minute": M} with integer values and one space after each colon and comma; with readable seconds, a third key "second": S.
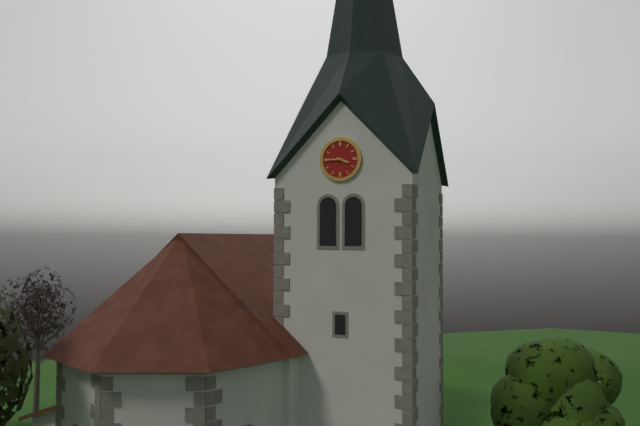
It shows {"hour": 3, "minute": 45}
